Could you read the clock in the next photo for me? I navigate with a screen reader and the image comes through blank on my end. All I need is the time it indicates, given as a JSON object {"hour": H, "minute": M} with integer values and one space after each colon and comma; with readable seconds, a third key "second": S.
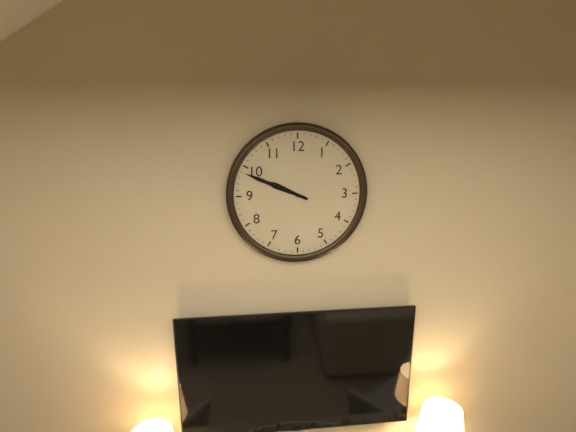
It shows {"hour": 9, "minute": 49}
